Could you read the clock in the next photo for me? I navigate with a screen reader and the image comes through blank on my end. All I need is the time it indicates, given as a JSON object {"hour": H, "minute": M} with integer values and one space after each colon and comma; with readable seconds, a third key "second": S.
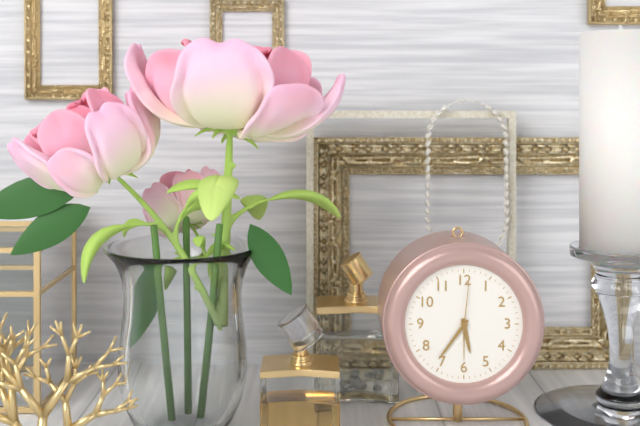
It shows {"hour": 5, "minute": 36}
